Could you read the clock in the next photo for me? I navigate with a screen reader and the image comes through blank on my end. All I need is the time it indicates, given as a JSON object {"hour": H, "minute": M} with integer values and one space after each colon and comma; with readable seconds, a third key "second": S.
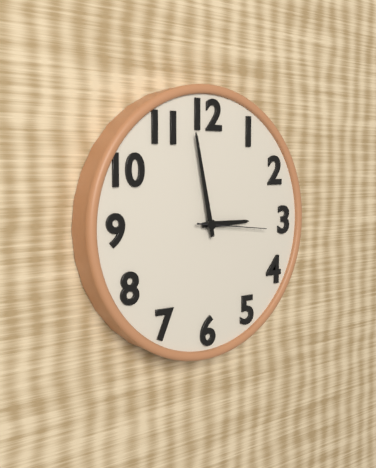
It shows {"hour": 2, "minute": 58, "second": 16}
